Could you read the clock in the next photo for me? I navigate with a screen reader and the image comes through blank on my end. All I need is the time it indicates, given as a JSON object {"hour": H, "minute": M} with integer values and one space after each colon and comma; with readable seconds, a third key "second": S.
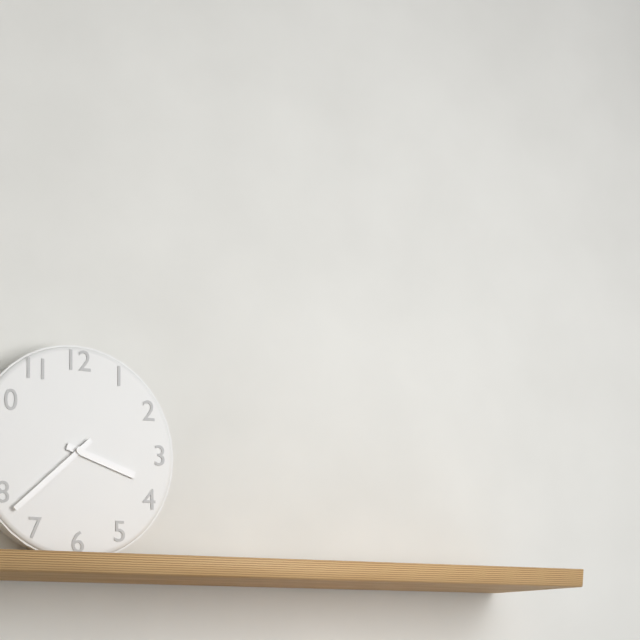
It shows {"hour": 3, "minute": 38}
